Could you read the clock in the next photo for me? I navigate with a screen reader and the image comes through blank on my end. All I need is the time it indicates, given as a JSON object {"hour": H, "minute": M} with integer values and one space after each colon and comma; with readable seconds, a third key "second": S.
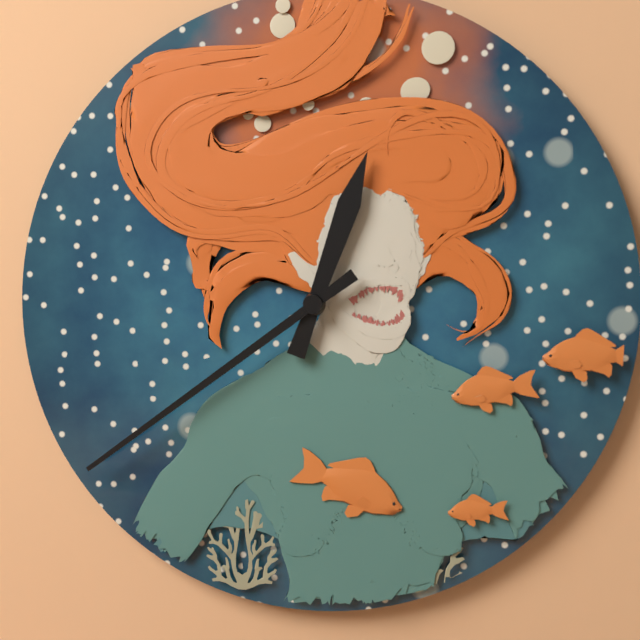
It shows {"hour": 12, "minute": 39}
